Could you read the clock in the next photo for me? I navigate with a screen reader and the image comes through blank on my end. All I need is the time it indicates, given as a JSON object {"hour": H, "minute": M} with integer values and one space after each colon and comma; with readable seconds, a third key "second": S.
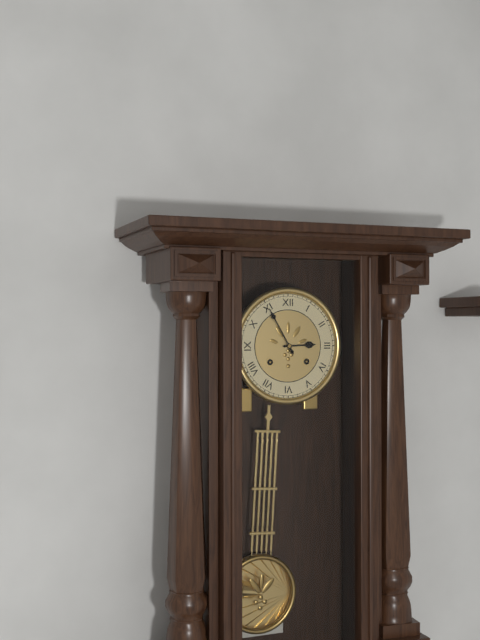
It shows {"hour": 2, "minute": 55}
